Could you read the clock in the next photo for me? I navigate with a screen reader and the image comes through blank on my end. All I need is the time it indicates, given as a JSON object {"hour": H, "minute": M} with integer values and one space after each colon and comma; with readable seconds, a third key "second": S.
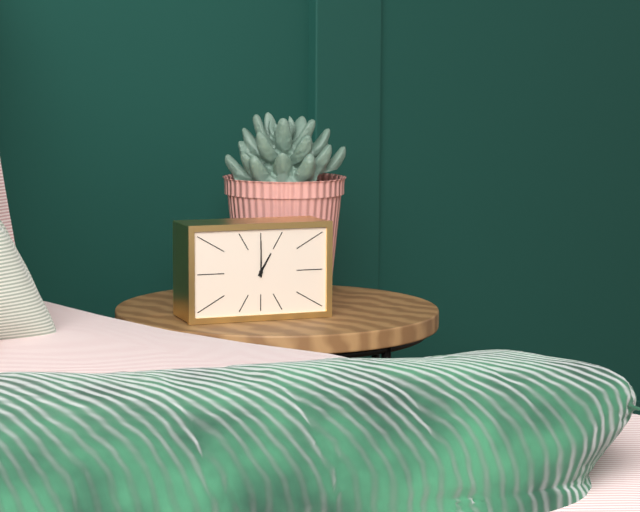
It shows {"hour": 1, "minute": 0}
